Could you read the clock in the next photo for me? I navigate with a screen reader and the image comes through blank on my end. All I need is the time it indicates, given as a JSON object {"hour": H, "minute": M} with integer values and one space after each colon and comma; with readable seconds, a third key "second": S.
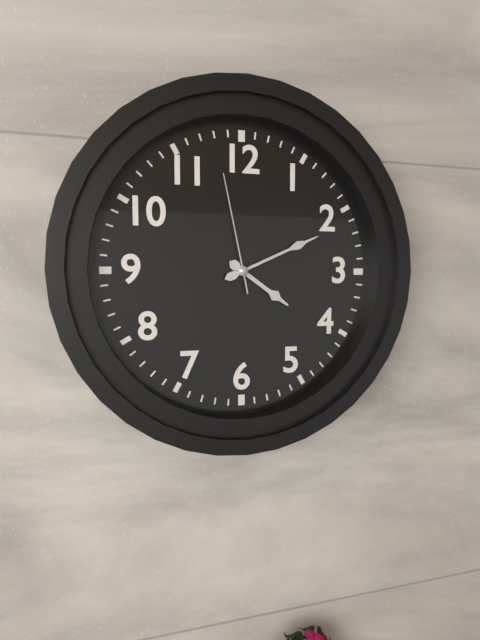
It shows {"hour": 4, "minute": 11, "second": 58}
